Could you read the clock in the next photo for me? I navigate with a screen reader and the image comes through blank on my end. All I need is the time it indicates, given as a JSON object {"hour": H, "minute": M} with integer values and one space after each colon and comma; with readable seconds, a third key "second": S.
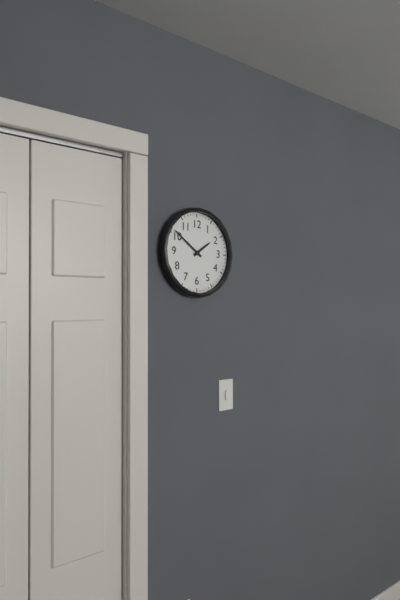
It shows {"hour": 1, "minute": 51}
